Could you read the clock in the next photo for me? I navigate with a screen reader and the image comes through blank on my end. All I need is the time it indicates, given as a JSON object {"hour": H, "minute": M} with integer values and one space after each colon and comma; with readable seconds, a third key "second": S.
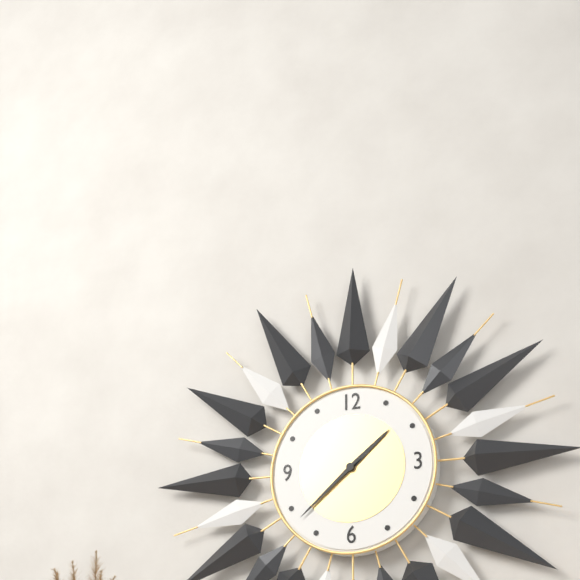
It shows {"hour": 1, "minute": 38}
